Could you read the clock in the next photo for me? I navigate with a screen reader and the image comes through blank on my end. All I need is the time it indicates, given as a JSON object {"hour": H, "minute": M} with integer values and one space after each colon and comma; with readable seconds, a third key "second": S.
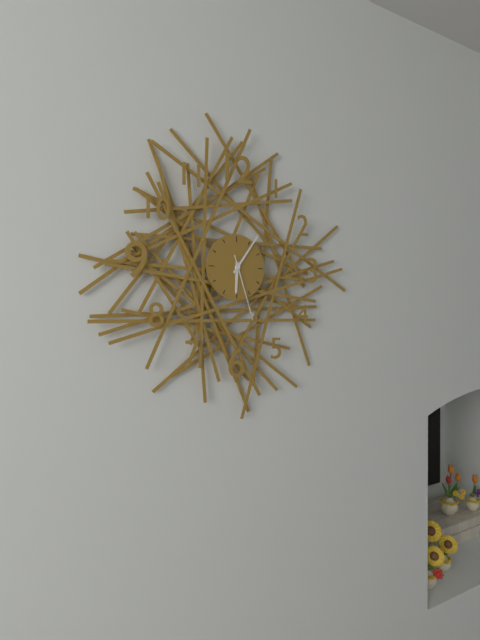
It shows {"hour": 6, "minute": 6, "second": 27}
